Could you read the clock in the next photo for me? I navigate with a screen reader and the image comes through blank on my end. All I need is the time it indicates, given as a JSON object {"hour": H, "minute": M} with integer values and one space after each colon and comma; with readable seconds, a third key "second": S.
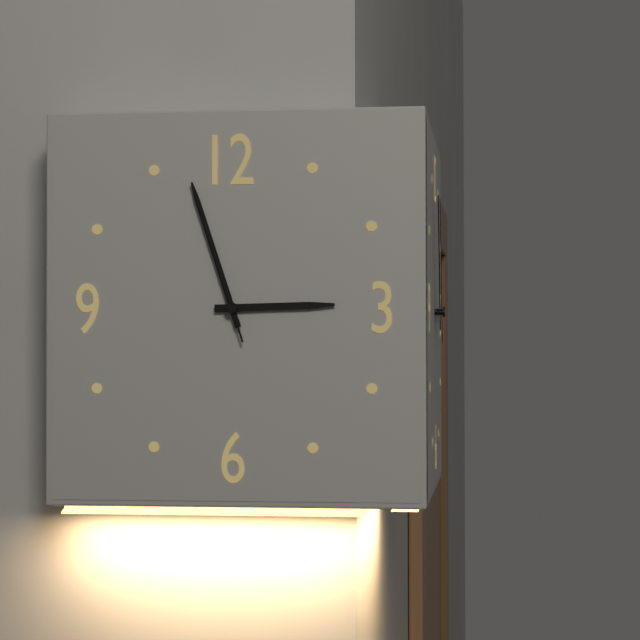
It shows {"hour": 2, "minute": 57, "second": 57}
